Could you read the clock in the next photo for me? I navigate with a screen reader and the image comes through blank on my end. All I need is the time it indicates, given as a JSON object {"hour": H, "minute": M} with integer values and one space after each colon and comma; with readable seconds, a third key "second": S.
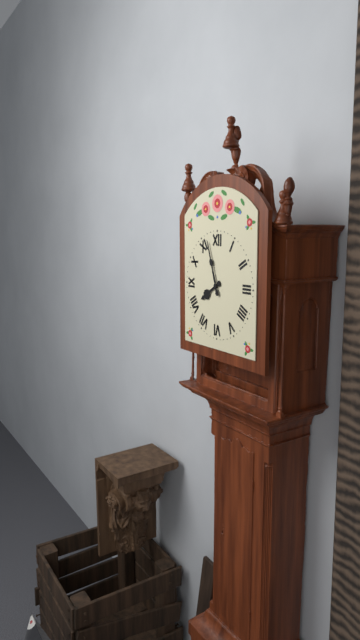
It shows {"hour": 7, "minute": 57}
